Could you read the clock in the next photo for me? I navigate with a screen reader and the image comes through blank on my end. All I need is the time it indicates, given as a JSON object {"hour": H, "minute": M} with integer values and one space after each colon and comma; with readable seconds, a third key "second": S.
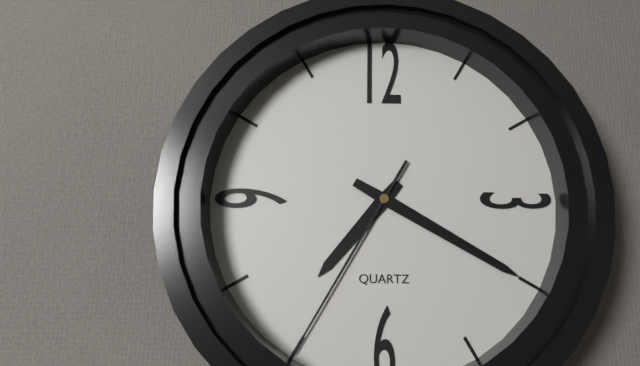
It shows {"hour": 7, "minute": 20, "second": 35}
